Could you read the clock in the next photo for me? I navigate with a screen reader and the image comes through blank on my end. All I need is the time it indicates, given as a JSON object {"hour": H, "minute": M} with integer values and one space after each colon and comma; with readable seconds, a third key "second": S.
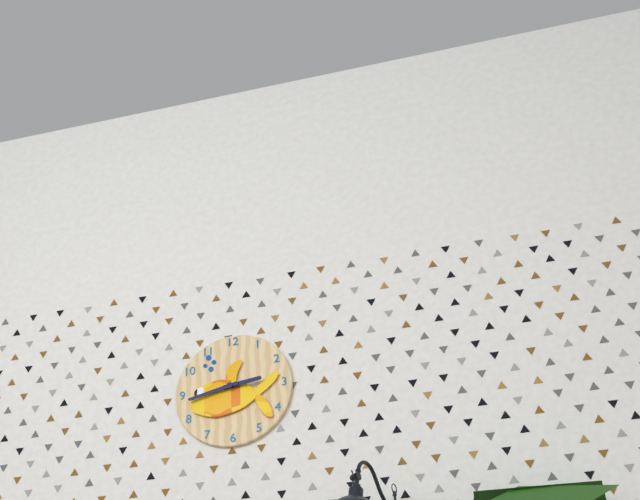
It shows {"hour": 2, "minute": 43}
